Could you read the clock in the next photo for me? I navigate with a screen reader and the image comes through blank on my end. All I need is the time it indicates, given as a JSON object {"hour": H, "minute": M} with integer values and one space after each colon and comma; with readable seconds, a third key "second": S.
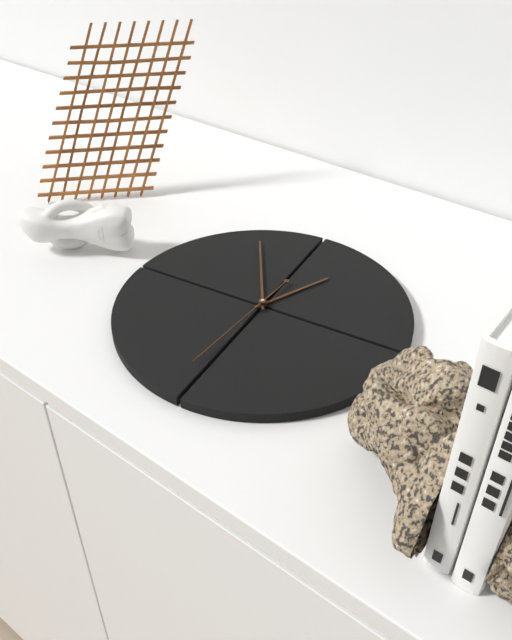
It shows {"hour": 12, "minute": 55, "second": 31}
